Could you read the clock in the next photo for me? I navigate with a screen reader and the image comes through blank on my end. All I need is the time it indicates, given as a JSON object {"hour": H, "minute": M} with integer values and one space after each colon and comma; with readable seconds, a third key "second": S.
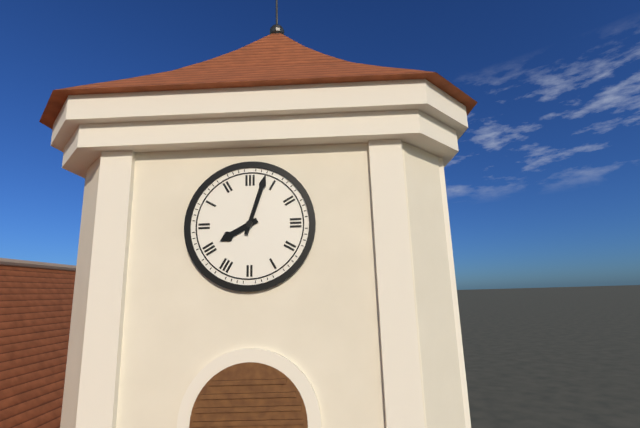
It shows {"hour": 8, "minute": 3}
